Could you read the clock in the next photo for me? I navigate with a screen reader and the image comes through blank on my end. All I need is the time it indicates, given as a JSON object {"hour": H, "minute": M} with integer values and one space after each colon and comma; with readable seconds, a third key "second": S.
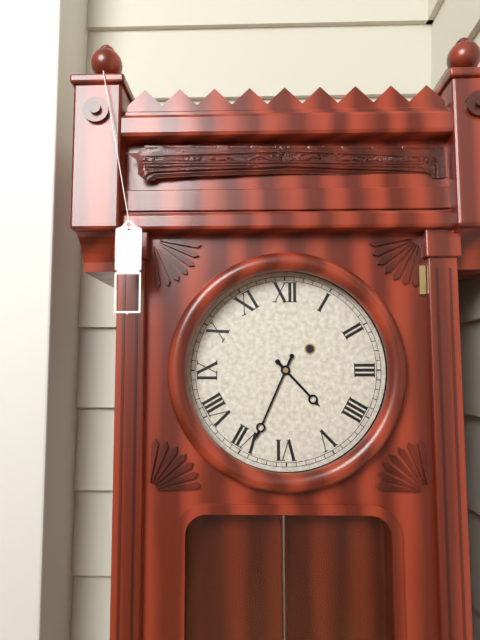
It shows {"hour": 4, "minute": 34}
